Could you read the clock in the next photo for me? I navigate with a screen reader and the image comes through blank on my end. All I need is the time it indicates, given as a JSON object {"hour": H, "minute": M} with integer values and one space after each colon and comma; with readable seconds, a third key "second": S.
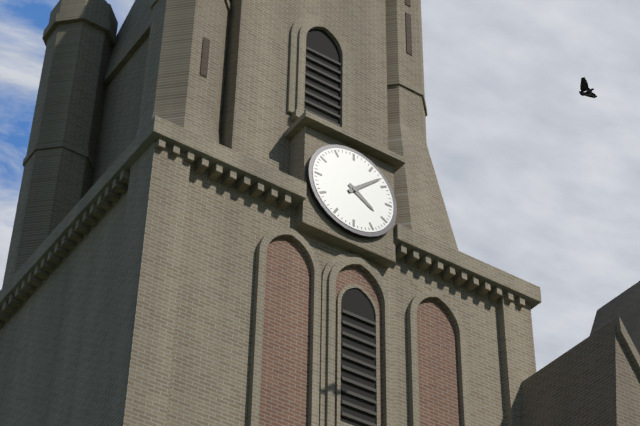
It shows {"hour": 4, "minute": 8}
